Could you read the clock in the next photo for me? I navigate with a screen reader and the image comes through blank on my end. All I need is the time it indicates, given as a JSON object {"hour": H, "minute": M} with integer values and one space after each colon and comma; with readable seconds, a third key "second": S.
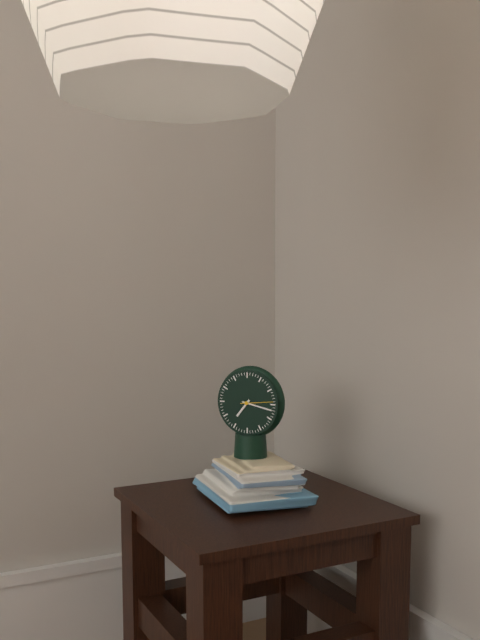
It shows {"hour": 7, "minute": 17}
